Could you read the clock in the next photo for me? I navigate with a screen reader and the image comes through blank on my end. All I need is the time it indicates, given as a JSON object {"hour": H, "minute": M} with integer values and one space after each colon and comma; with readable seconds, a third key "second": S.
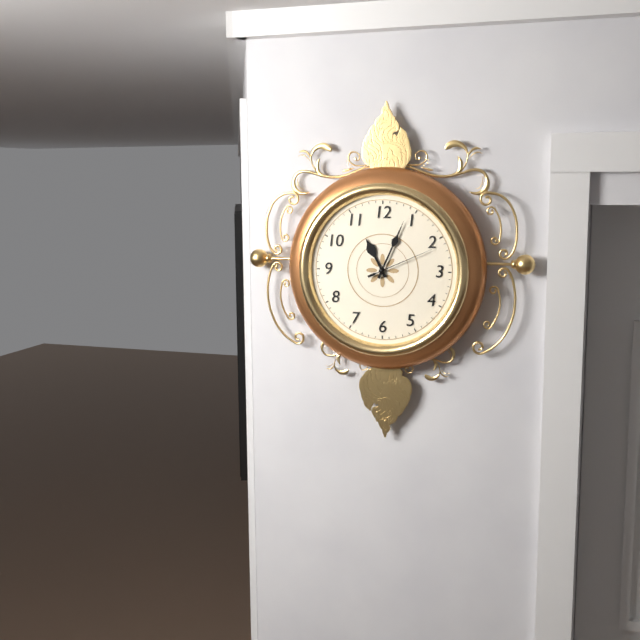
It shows {"hour": 11, "minute": 4, "second": 11}
